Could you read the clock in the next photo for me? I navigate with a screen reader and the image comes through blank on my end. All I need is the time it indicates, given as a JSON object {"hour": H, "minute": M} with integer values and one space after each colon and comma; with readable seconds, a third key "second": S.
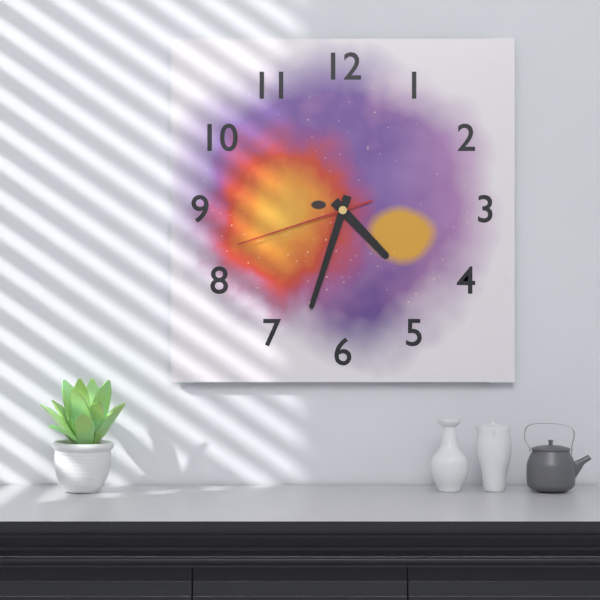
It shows {"hour": 4, "minute": 33, "second": 42}
